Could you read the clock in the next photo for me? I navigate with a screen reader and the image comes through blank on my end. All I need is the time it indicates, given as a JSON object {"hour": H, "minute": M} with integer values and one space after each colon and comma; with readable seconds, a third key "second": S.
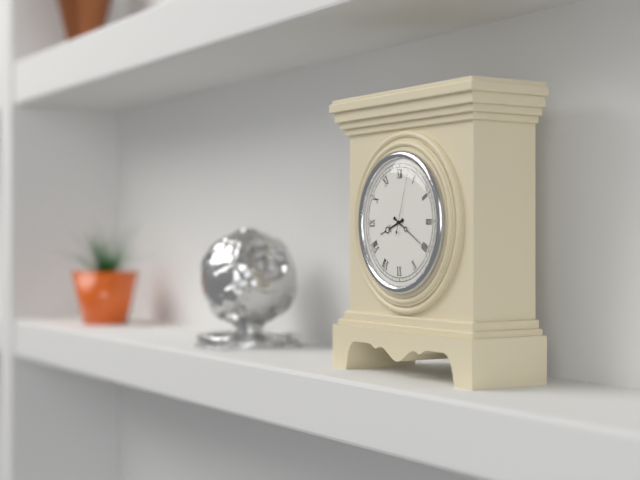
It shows {"hour": 8, "minute": 20, "second": 3}
